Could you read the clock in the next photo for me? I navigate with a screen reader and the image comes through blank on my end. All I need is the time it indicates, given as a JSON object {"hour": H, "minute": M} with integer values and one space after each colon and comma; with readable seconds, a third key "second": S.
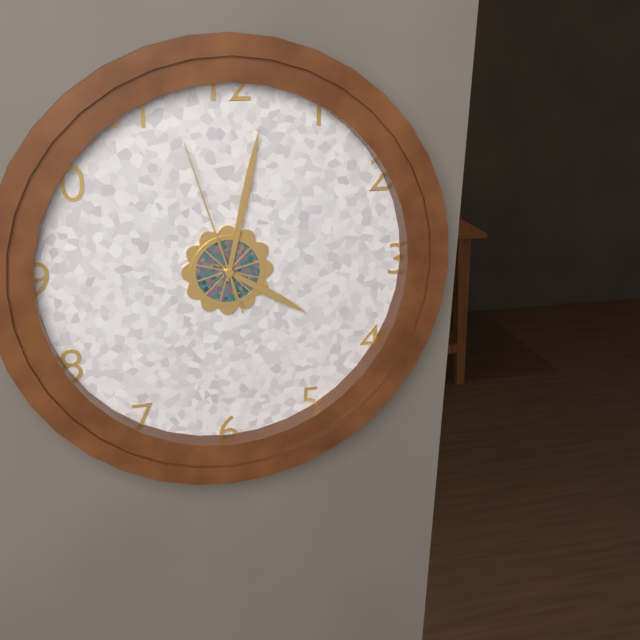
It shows {"hour": 4, "minute": 2, "second": 57}
